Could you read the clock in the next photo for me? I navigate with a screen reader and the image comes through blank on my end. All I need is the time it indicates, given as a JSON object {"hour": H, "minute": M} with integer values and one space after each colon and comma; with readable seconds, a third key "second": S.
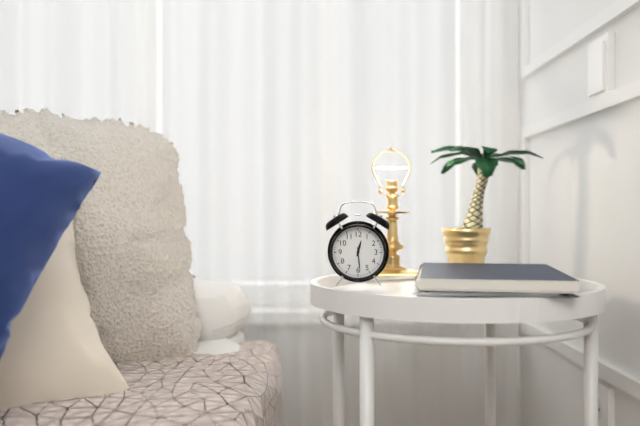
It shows {"hour": 12, "minute": 29}
